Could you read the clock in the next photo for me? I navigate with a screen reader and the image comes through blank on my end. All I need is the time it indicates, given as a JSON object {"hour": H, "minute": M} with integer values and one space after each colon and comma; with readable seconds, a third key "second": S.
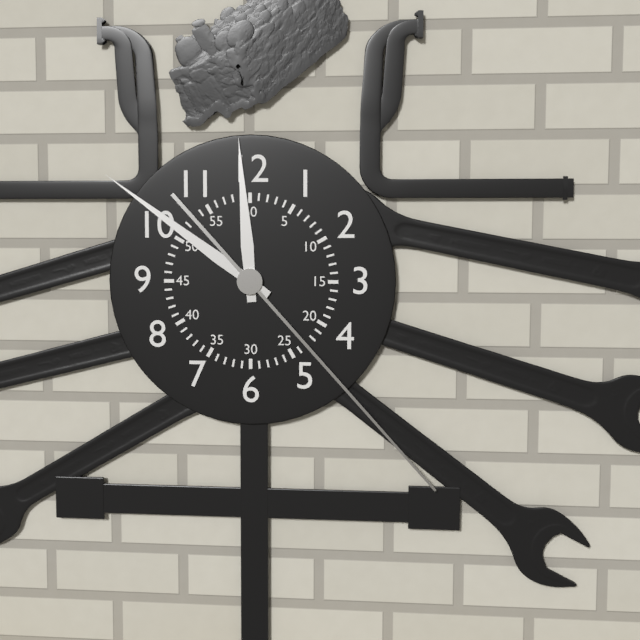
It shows {"hour": 11, "minute": 51, "second": 23}
